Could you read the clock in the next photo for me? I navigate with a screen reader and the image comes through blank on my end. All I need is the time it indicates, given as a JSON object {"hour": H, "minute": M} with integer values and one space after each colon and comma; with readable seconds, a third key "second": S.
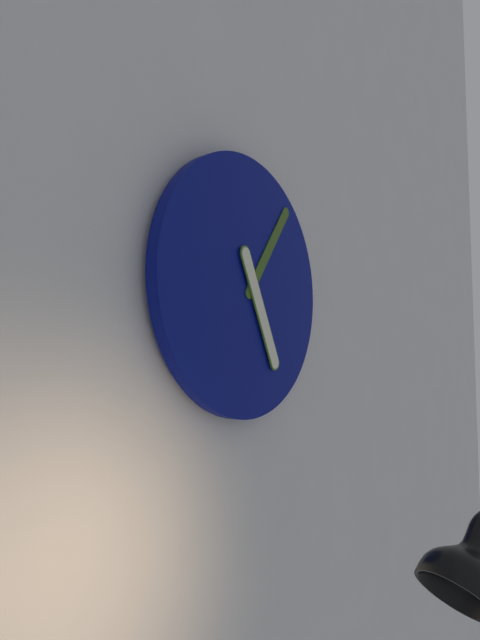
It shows {"hour": 5, "minute": 6}
